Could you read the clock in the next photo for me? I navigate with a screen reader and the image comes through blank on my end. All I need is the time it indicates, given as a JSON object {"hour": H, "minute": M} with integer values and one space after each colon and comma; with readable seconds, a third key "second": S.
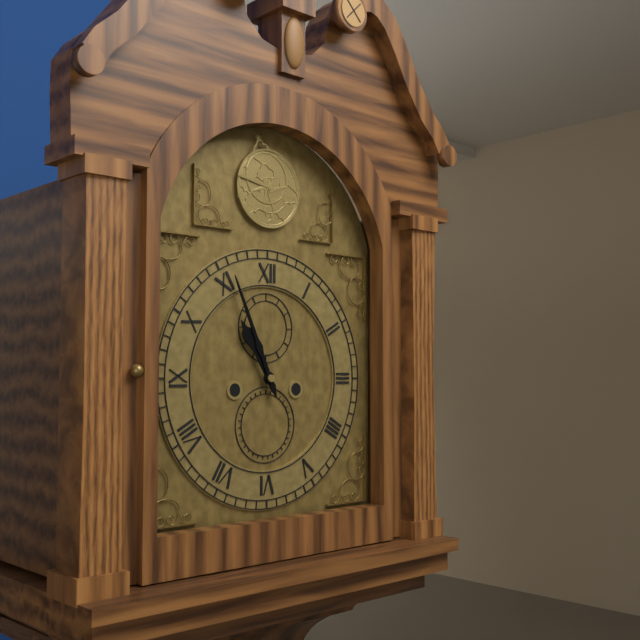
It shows {"hour": 10, "minute": 56}
